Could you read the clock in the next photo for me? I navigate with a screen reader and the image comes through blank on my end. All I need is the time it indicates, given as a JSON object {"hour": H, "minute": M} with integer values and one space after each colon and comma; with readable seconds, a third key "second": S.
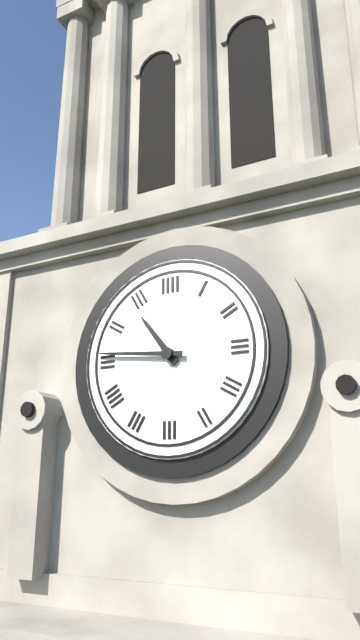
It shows {"hour": 10, "minute": 46}
